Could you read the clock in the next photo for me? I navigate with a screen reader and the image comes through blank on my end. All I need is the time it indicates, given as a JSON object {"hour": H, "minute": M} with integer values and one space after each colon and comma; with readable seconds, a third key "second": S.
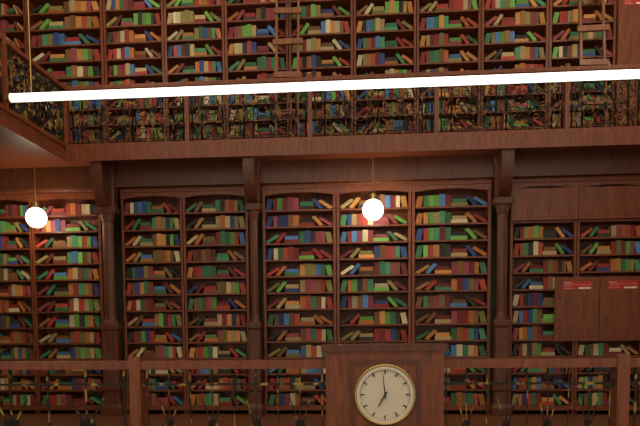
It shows {"hour": 6, "minute": 59}
